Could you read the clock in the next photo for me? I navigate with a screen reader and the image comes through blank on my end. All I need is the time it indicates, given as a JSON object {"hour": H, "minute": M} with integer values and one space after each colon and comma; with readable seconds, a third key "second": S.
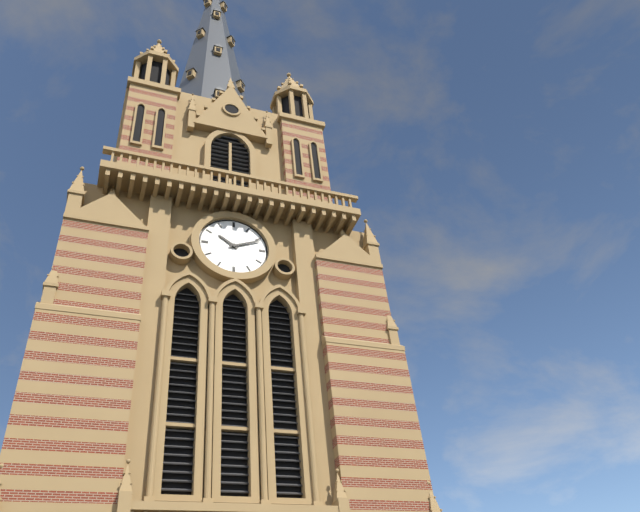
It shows {"hour": 10, "minute": 11}
